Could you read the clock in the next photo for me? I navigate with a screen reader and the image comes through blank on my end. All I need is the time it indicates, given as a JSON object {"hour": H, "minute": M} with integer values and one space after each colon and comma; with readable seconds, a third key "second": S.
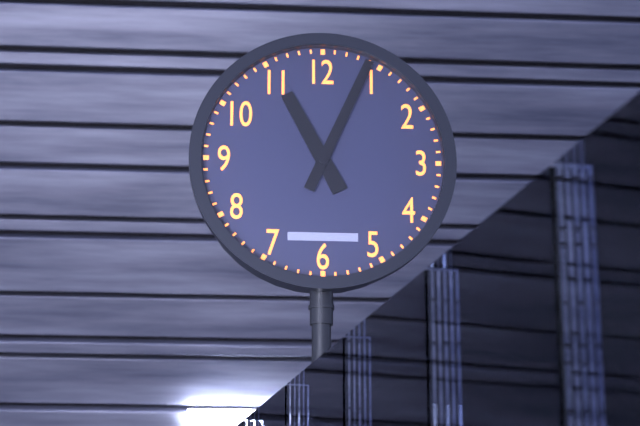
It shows {"hour": 11, "minute": 4}
